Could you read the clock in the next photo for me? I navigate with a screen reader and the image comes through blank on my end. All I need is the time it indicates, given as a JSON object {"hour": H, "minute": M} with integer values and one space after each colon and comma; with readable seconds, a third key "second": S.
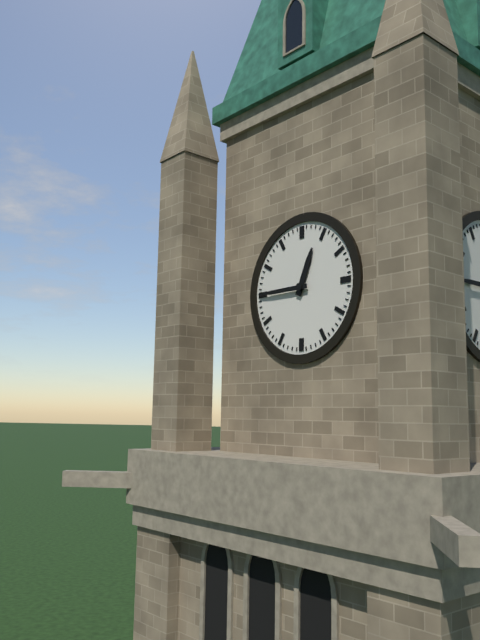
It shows {"hour": 12, "minute": 45}
